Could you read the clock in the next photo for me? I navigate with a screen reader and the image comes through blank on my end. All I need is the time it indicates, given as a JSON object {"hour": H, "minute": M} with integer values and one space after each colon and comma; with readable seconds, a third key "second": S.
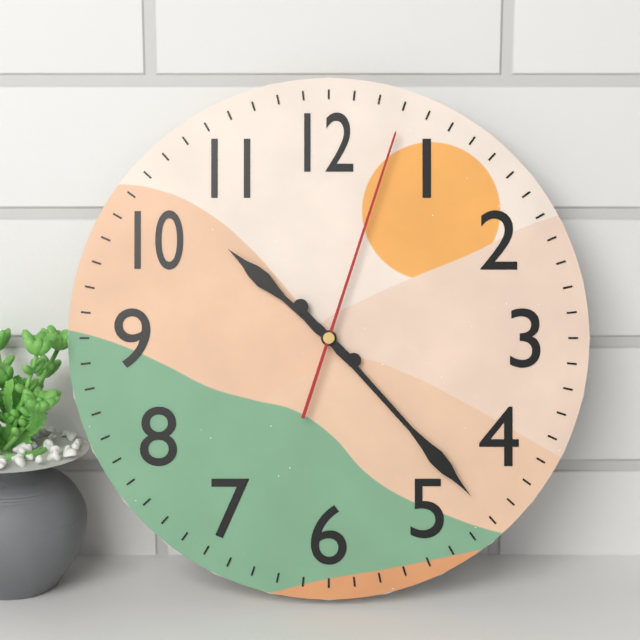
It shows {"hour": 10, "minute": 23, "second": 3}
